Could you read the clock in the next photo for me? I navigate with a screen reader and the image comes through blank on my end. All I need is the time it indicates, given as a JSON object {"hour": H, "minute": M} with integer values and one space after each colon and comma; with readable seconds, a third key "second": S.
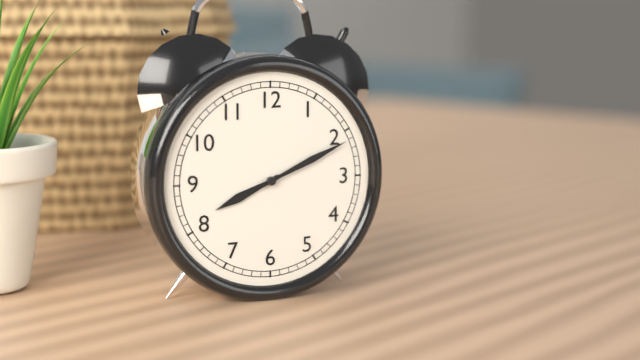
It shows {"hour": 8, "minute": 11}
